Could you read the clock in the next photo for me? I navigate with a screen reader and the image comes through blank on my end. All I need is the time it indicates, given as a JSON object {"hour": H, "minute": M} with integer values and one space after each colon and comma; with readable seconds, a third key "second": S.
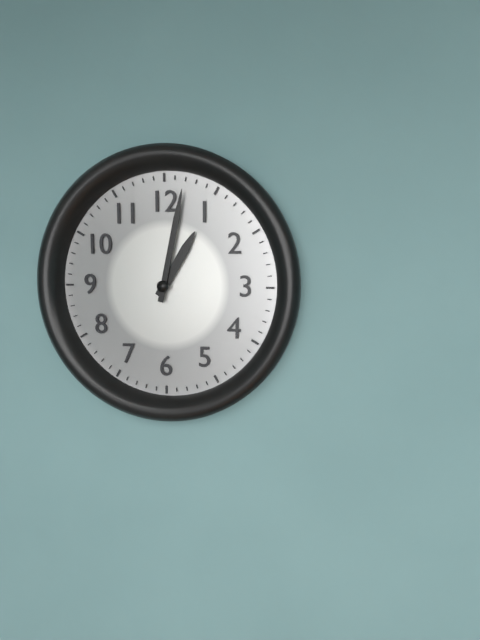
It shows {"hour": 1, "minute": 2}
